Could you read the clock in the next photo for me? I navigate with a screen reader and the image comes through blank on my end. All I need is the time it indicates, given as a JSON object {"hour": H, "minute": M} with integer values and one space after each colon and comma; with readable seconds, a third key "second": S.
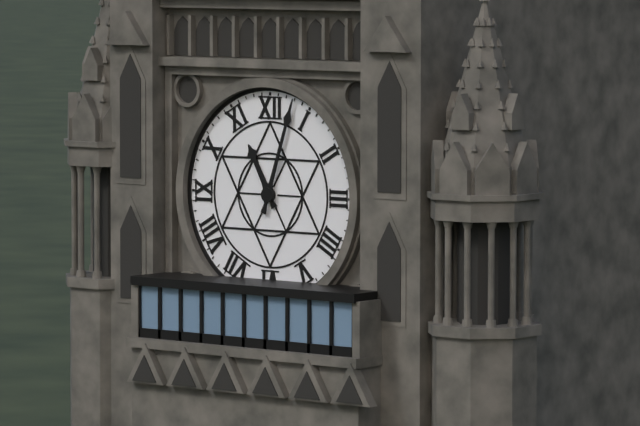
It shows {"hour": 11, "minute": 3}
